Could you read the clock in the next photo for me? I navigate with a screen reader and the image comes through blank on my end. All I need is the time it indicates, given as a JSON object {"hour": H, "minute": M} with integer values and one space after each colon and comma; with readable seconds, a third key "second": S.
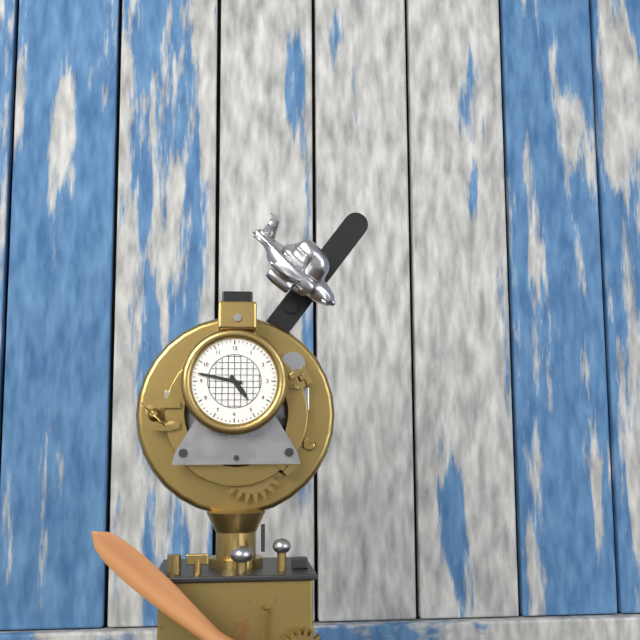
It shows {"hour": 4, "minute": 47}
